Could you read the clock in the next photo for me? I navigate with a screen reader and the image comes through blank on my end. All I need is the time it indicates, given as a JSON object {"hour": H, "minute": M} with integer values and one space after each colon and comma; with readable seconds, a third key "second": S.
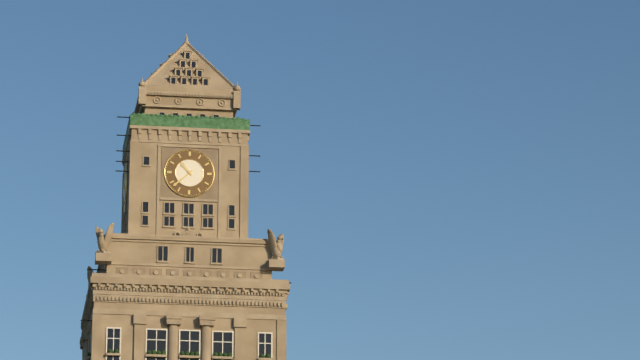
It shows {"hour": 10, "minute": 38}
